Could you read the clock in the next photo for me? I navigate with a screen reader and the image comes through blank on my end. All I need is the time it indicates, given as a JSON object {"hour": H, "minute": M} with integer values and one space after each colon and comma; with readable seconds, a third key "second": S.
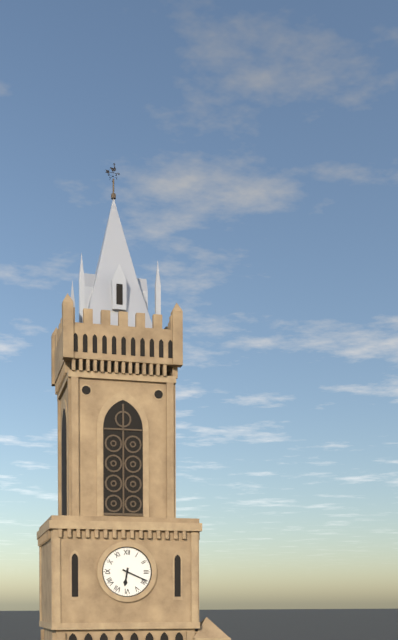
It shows {"hour": 6, "minute": 19}
